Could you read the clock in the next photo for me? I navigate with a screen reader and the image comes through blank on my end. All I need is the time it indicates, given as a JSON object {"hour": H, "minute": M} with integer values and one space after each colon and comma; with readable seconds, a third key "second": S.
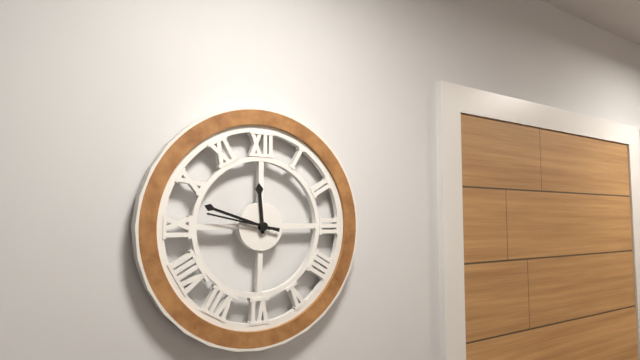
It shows {"hour": 11, "minute": 48, "second": 47}
